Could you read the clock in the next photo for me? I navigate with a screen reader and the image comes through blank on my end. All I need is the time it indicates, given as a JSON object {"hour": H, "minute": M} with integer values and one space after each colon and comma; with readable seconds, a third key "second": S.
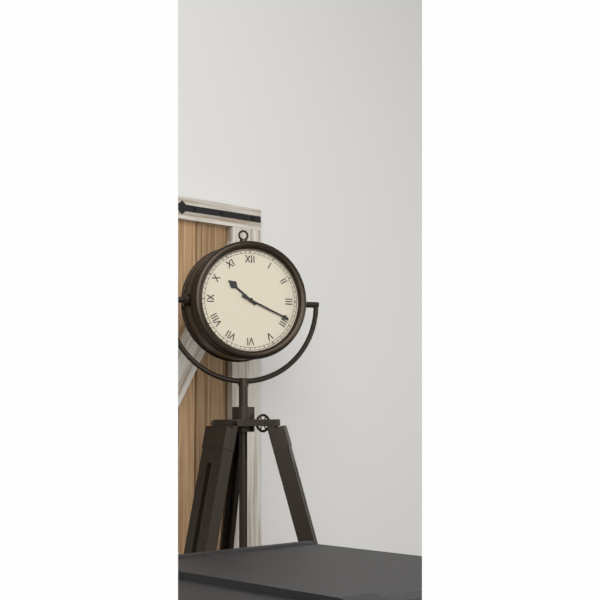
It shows {"hour": 10, "minute": 19}
